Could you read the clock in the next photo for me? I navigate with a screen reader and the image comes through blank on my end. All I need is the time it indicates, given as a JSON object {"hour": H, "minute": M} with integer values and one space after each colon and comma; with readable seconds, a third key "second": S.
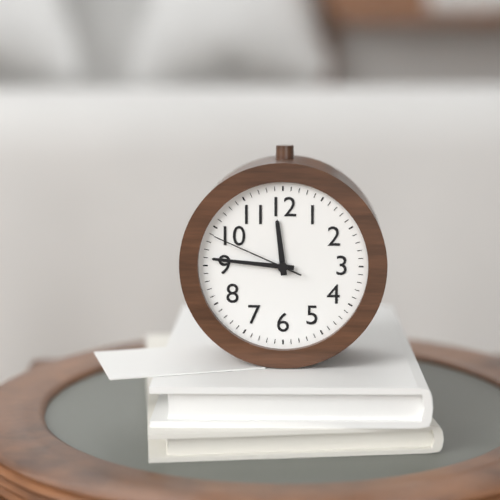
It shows {"hour": 11, "minute": 46, "second": 49}
